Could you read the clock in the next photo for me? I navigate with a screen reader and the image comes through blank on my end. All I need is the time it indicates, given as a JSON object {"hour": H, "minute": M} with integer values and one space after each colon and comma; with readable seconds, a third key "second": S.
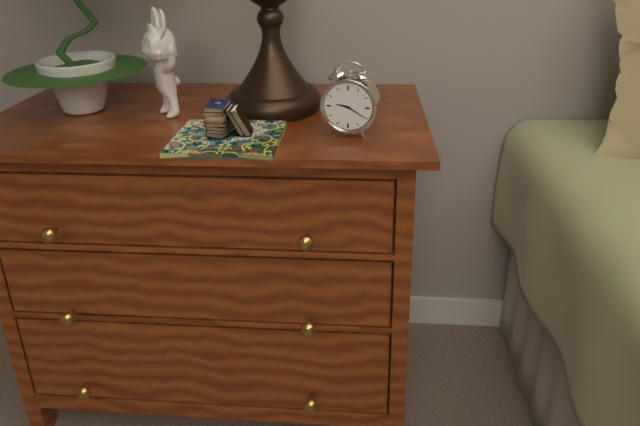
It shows {"hour": 9, "minute": 20}
